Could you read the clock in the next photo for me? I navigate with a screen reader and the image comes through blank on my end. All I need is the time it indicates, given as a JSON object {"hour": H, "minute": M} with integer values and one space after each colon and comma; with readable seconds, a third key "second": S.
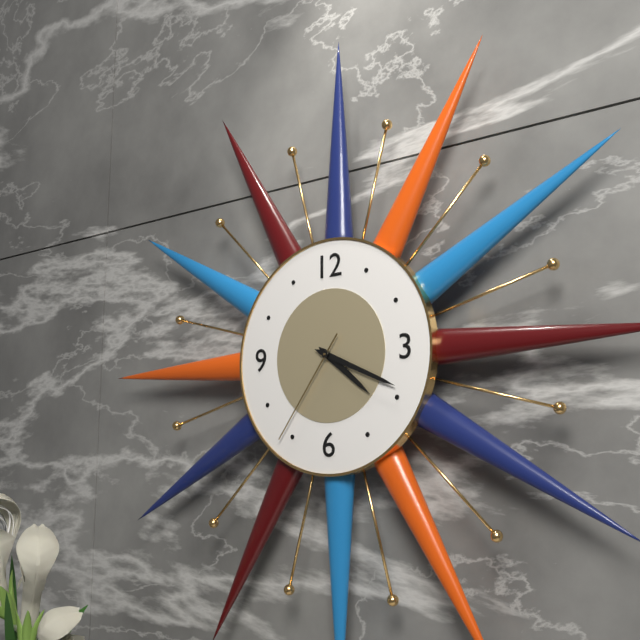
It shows {"hour": 4, "minute": 19, "second": 36}
